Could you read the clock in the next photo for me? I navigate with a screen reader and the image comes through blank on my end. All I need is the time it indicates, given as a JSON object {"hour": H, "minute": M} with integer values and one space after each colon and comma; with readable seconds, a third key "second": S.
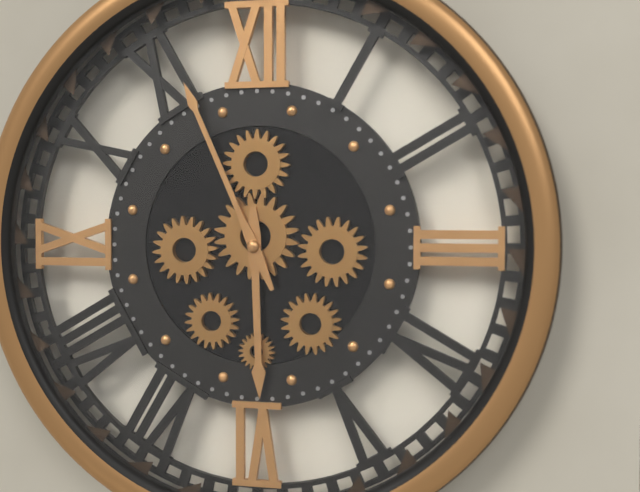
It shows {"hour": 5, "minute": 56}
